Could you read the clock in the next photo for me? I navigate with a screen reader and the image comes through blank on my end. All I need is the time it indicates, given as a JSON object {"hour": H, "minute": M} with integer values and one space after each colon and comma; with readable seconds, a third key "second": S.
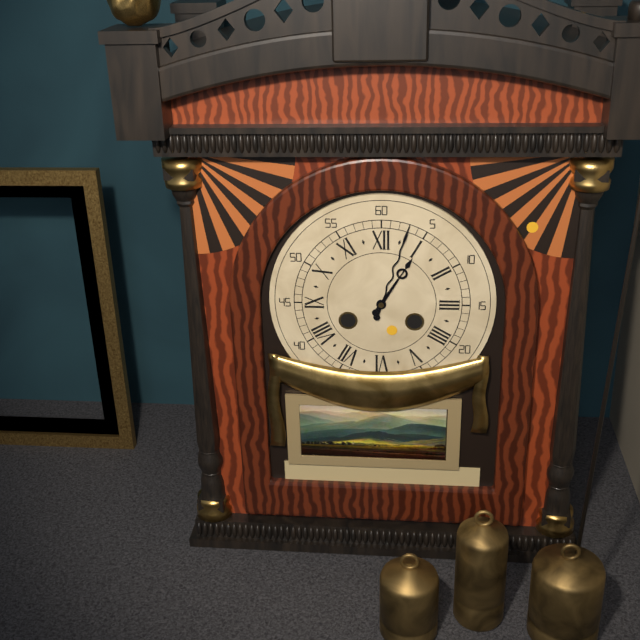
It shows {"hour": 1, "minute": 3}
